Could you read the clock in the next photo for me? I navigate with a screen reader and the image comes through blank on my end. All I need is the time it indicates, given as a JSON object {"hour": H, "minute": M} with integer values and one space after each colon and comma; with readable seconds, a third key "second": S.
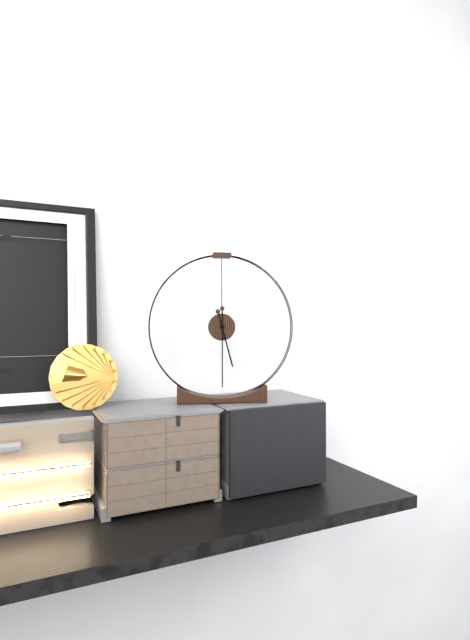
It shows {"hour": 5, "minute": 30}
